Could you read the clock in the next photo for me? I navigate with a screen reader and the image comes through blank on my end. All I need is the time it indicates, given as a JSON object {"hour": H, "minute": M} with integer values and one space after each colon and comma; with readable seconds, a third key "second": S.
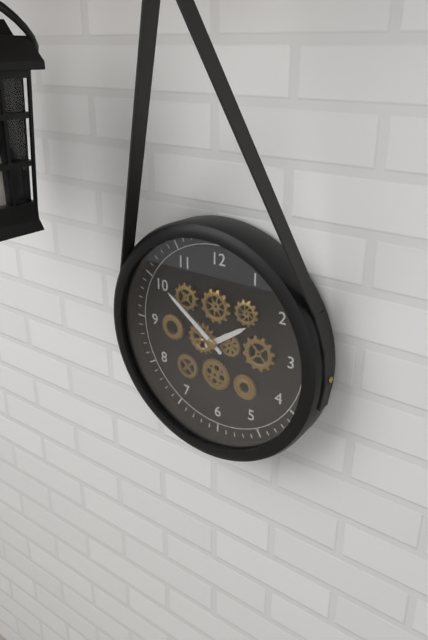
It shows {"hour": 1, "minute": 51}
